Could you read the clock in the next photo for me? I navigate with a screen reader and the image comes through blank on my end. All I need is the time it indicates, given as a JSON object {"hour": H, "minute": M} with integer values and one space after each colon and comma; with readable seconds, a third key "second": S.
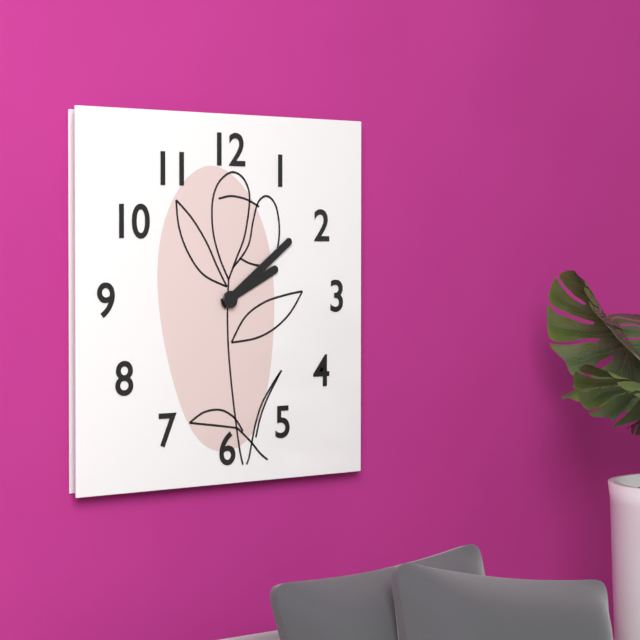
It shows {"hour": 2, "minute": 9}
